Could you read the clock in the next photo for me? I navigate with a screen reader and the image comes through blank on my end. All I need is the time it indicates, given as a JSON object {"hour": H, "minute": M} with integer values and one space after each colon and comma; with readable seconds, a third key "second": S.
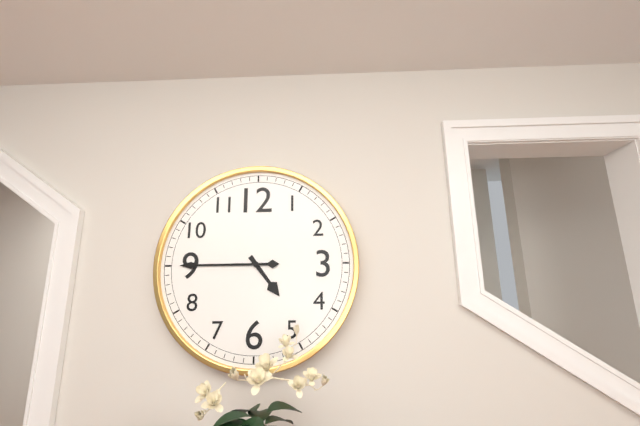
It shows {"hour": 4, "minute": 45}
